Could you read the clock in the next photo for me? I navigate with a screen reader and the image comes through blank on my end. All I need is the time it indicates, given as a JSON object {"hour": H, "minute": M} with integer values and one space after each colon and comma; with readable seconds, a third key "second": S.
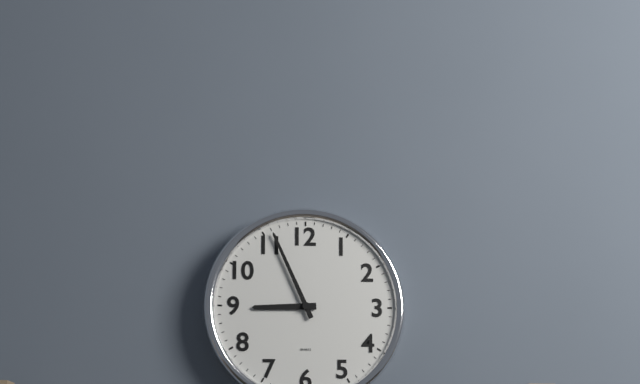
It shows {"hour": 8, "minute": 56}
